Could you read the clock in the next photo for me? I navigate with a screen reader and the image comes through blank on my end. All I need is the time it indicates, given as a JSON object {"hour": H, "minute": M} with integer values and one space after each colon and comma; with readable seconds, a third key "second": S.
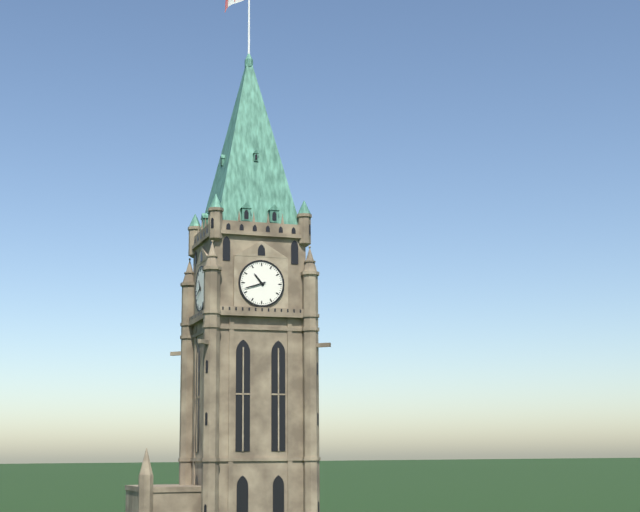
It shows {"hour": 10, "minute": 42}
